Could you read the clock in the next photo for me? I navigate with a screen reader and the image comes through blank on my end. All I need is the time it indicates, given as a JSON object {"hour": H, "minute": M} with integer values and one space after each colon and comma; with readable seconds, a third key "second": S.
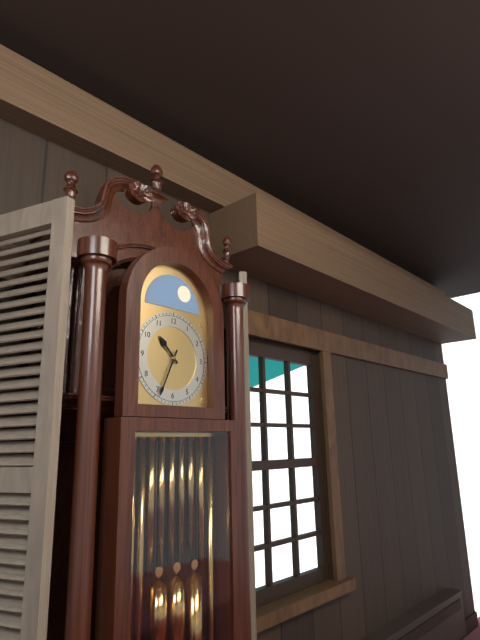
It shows {"hour": 10, "minute": 34}
